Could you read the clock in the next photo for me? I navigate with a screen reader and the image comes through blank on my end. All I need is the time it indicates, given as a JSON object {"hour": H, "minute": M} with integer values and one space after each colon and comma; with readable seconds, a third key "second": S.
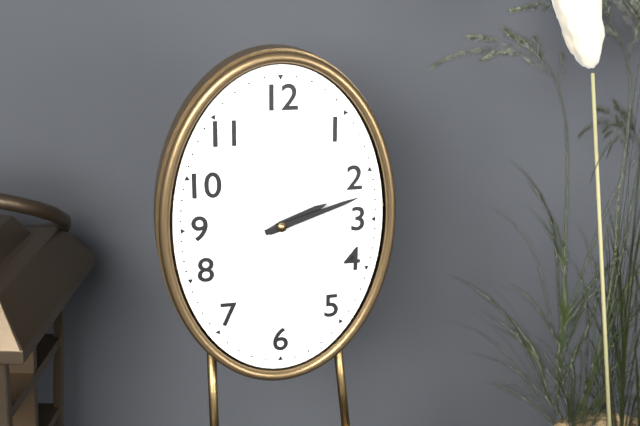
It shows {"hour": 2, "minute": 12}
